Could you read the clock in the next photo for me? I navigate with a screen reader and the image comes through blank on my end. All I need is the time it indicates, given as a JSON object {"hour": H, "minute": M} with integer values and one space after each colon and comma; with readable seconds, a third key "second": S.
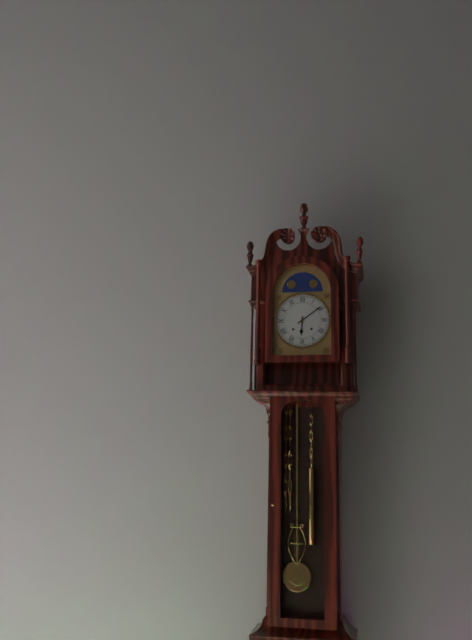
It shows {"hour": 6, "minute": 9}
